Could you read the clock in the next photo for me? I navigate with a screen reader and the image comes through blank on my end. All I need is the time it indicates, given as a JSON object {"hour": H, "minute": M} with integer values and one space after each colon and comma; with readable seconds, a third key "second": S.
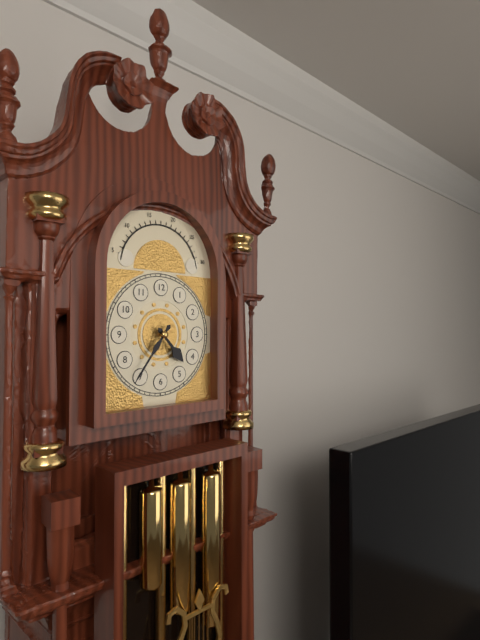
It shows {"hour": 4, "minute": 36}
